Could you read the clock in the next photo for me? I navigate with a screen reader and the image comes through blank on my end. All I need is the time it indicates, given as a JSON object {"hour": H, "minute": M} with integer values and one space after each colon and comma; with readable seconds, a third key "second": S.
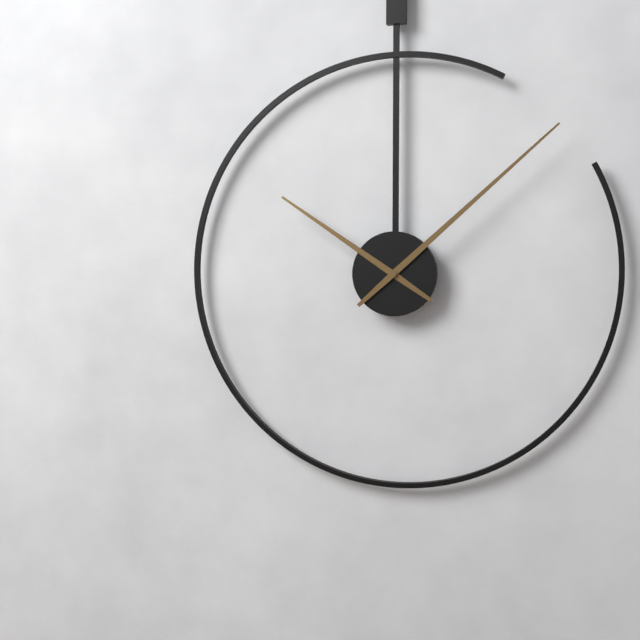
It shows {"hour": 10, "minute": 8}
